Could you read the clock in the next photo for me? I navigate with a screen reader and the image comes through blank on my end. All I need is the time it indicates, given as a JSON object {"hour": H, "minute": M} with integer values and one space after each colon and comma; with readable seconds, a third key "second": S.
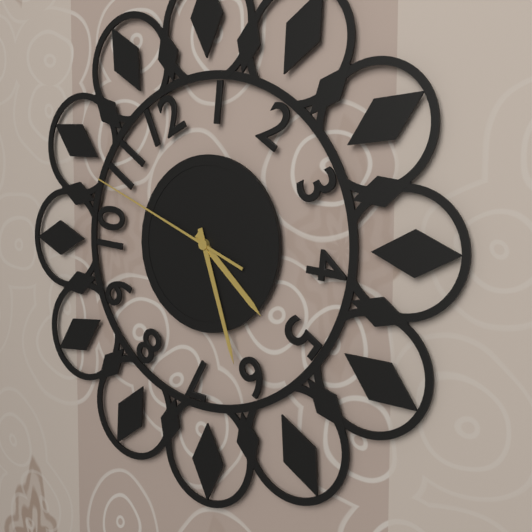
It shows {"hour": 4, "minute": 27, "second": 49}
